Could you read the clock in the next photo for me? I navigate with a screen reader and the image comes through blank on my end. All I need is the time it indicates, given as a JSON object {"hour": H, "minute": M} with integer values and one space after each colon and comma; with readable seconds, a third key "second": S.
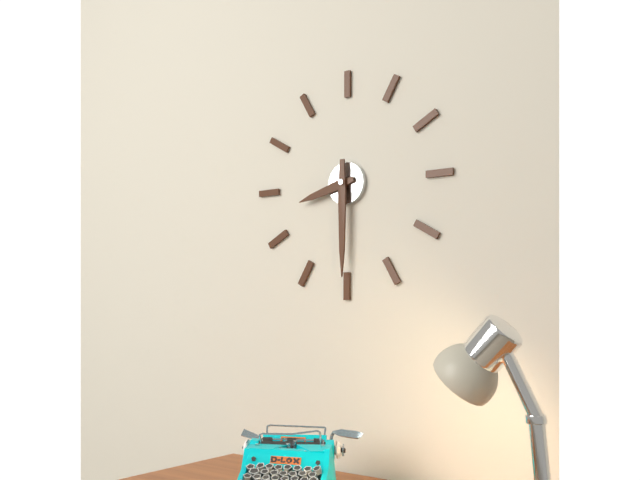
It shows {"hour": 8, "minute": 30}
